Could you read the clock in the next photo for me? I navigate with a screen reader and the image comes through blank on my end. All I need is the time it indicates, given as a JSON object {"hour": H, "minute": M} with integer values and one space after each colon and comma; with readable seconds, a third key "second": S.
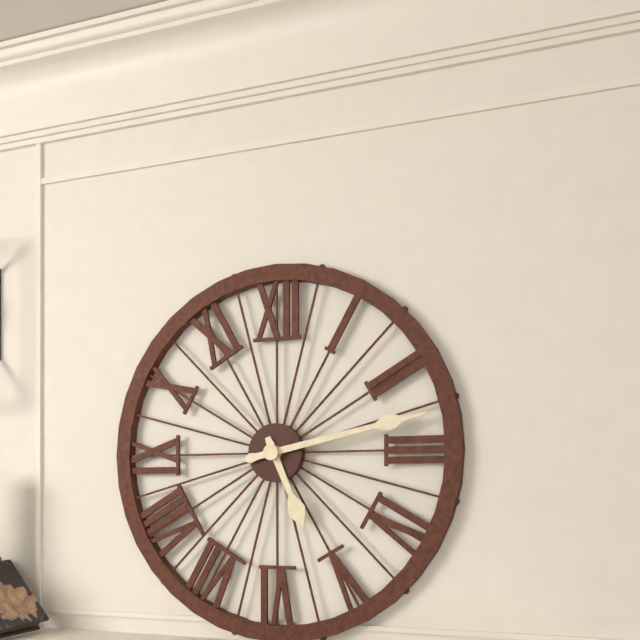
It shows {"hour": 5, "minute": 13}
